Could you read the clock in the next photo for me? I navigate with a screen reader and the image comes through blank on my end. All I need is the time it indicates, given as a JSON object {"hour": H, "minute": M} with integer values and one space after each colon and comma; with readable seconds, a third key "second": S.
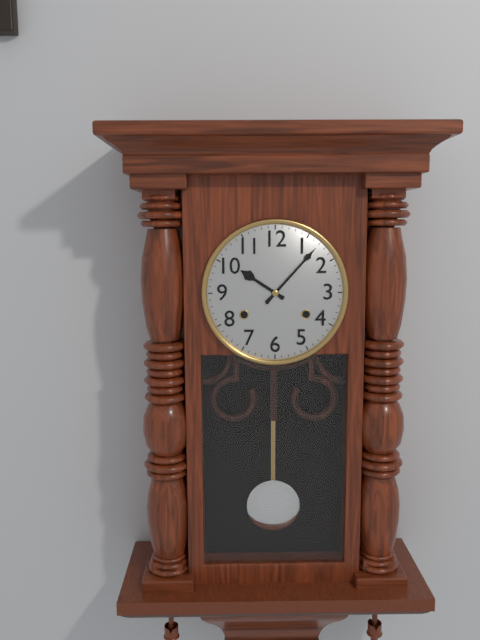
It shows {"hour": 10, "minute": 7}
